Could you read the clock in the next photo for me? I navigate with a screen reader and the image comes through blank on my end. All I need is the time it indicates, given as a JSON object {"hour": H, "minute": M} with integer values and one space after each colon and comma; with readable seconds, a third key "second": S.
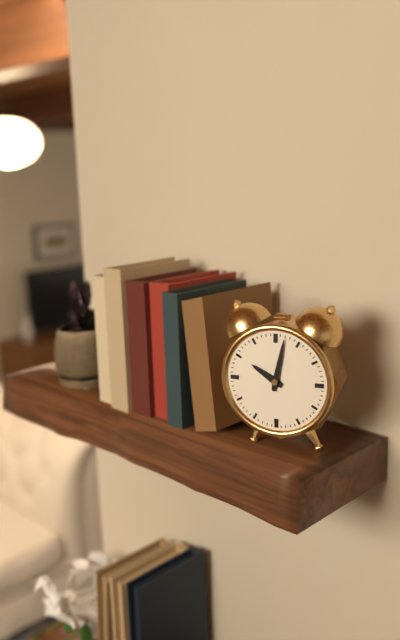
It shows {"hour": 10, "minute": 2}
